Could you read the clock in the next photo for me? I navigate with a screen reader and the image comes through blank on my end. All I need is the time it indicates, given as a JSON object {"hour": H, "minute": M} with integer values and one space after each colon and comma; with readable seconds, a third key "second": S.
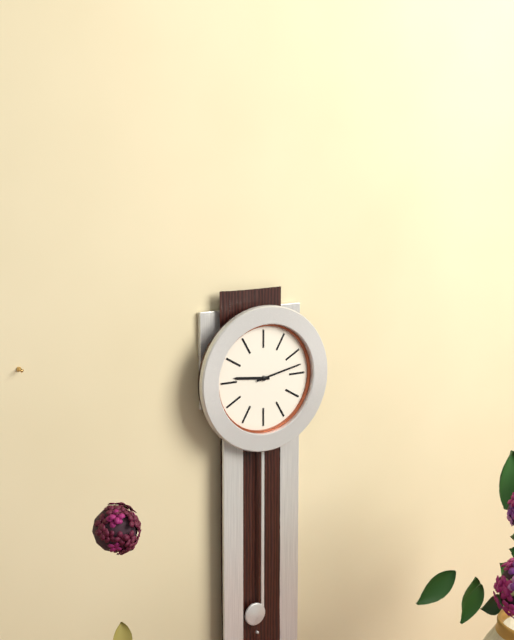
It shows {"hour": 9, "minute": 13}
